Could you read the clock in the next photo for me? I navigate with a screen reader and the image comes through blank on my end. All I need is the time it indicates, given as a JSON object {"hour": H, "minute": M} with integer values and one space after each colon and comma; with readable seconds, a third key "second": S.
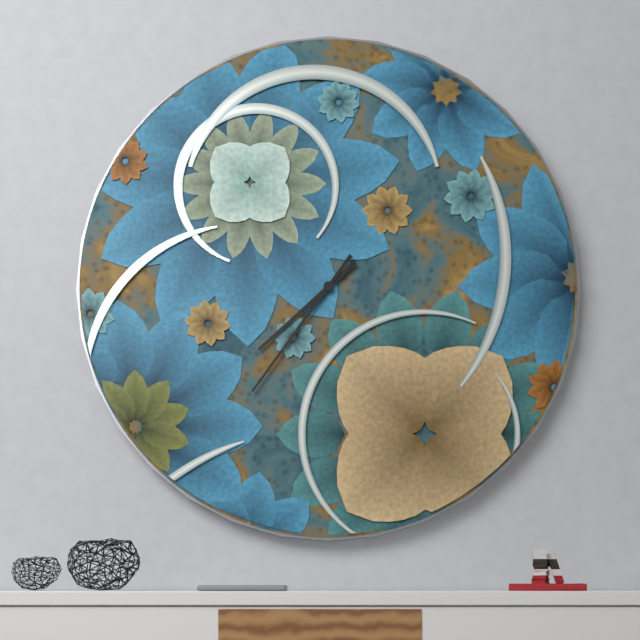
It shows {"hour": 7, "minute": 36}
